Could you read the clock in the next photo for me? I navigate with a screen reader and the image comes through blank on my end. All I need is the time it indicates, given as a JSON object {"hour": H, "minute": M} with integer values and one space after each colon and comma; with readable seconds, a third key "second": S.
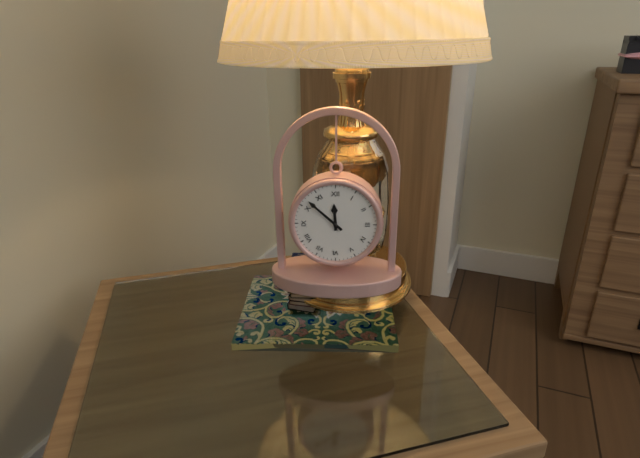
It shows {"hour": 11, "minute": 52}
